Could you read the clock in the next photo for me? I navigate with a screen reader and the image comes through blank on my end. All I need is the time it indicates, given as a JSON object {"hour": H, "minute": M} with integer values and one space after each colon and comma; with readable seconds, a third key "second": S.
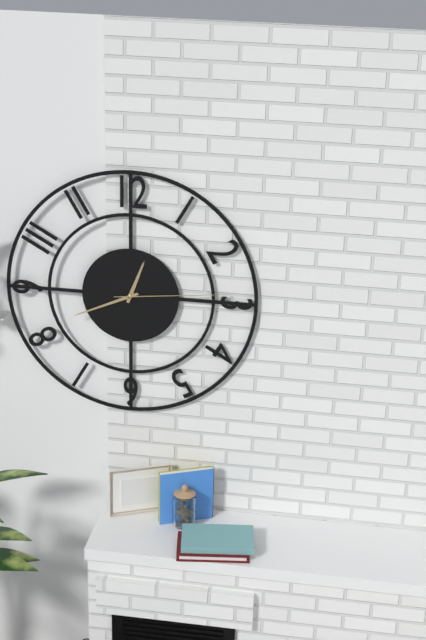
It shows {"hour": 12, "minute": 41, "second": 14}
